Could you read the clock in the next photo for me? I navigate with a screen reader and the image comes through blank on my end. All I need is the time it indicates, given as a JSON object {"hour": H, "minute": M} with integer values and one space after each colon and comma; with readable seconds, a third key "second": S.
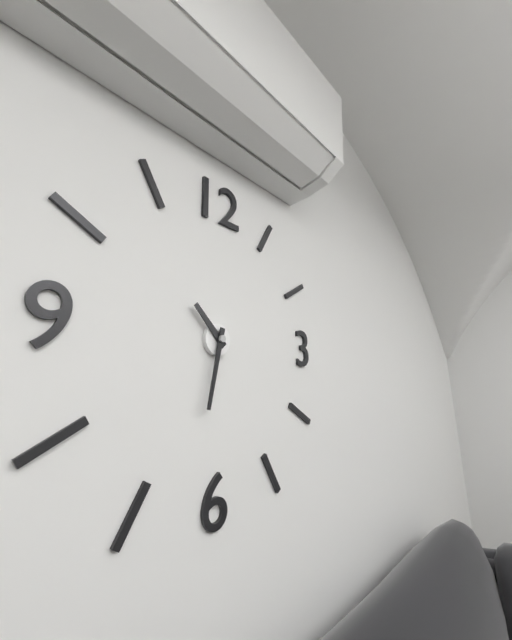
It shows {"hour": 10, "minute": 32}
